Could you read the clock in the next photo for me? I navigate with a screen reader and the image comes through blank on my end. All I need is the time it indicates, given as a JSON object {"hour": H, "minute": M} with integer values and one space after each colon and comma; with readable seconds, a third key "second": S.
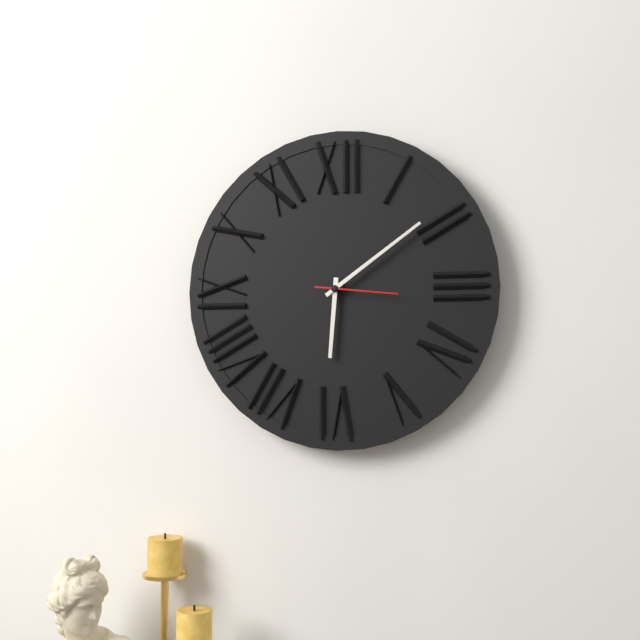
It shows {"hour": 6, "minute": 9, "second": 16}
